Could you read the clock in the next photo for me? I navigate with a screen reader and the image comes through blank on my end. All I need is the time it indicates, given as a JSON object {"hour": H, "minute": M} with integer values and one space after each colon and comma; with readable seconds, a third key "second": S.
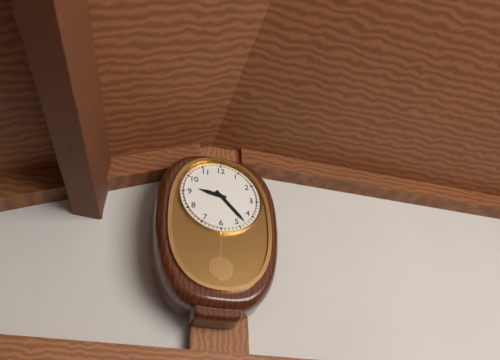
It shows {"hour": 9, "minute": 23}
